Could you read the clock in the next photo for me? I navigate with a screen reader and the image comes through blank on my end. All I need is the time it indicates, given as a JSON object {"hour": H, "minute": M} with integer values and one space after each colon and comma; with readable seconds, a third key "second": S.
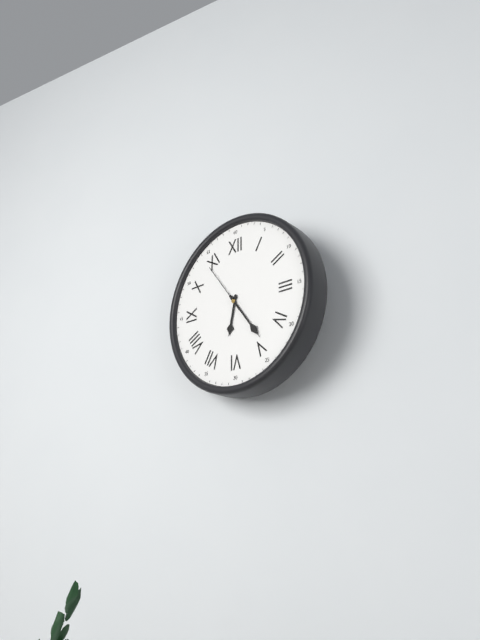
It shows {"hour": 6, "minute": 24, "second": 54}
